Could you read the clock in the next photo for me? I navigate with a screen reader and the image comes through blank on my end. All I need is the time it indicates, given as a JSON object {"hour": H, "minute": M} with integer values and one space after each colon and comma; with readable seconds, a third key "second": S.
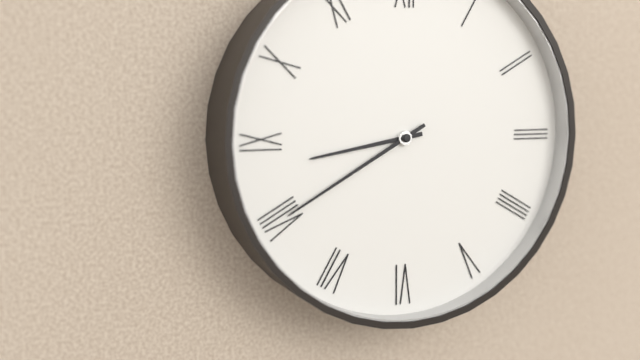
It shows {"hour": 8, "minute": 40}
